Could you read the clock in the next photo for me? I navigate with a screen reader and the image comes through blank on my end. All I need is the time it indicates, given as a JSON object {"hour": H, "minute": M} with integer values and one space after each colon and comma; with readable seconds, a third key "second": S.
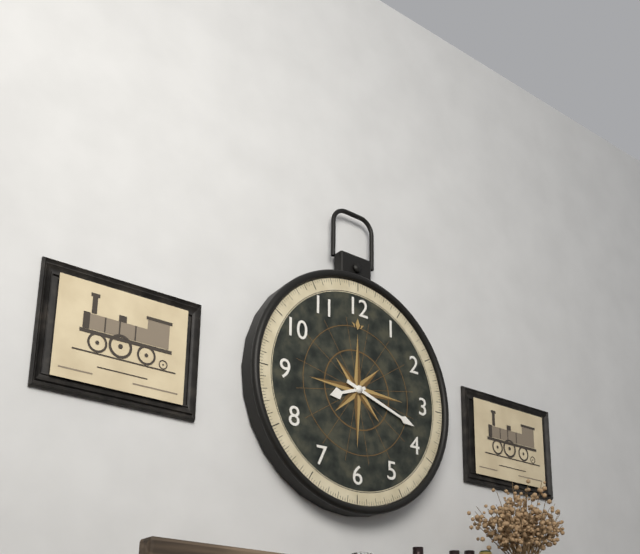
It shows {"hour": 8, "minute": 18}
